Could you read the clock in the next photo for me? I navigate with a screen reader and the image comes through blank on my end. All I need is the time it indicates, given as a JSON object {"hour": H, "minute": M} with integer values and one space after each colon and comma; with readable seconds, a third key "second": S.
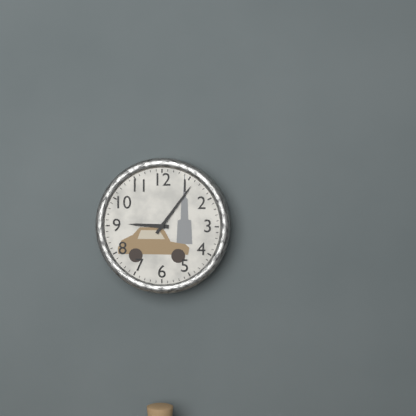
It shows {"hour": 9, "minute": 6}
